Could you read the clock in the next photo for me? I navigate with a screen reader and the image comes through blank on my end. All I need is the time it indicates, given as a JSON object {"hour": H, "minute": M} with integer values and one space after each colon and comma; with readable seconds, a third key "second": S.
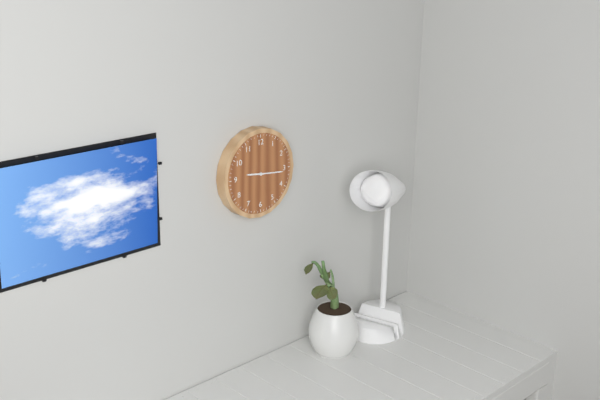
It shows {"hour": 9, "minute": 16}
